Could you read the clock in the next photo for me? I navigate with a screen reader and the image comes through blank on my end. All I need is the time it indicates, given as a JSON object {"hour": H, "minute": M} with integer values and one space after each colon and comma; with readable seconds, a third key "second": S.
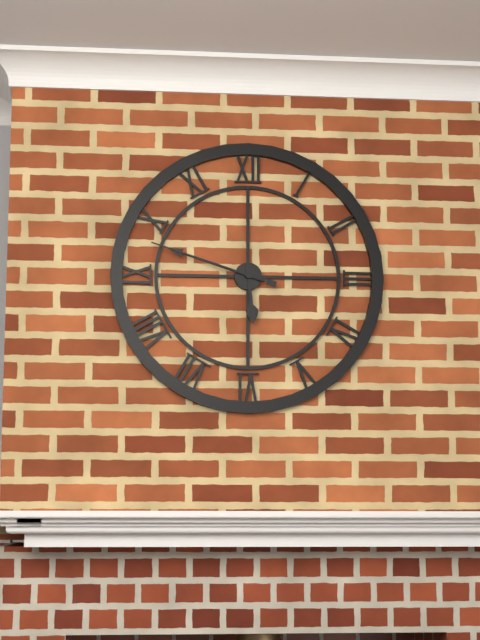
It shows {"hour": 5, "minute": 48, "second": 48}
